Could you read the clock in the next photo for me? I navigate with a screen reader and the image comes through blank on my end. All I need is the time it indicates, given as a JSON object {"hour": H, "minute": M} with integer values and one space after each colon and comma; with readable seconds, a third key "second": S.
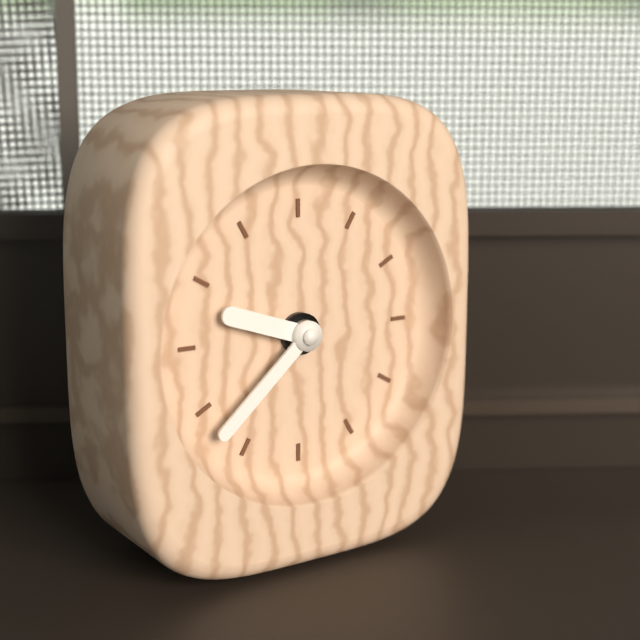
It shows {"hour": 9, "minute": 38}
